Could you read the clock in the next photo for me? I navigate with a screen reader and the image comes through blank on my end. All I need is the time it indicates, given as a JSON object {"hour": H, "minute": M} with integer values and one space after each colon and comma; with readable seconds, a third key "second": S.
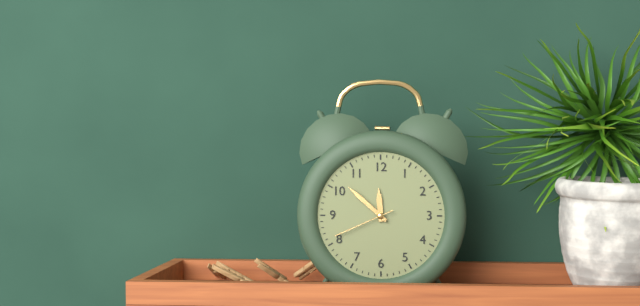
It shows {"hour": 11, "minute": 52, "second": 41}
